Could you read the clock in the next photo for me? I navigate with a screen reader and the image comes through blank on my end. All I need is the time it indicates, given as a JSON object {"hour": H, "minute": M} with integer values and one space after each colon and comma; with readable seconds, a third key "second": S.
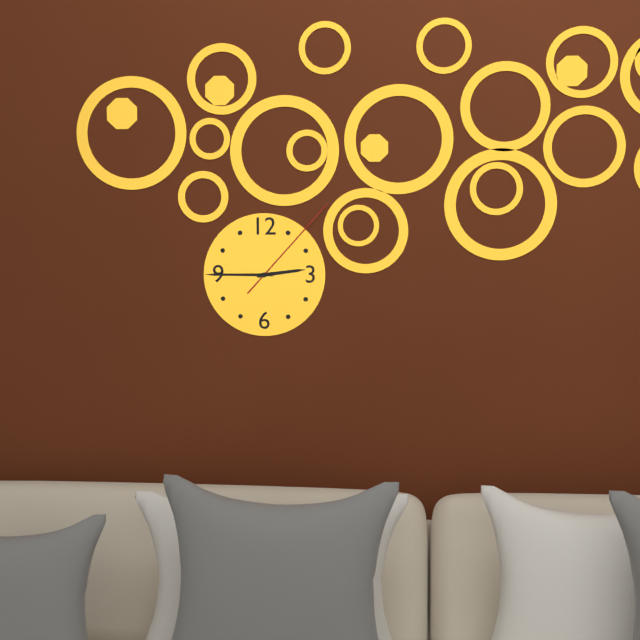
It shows {"hour": 2, "minute": 45, "second": 7}
